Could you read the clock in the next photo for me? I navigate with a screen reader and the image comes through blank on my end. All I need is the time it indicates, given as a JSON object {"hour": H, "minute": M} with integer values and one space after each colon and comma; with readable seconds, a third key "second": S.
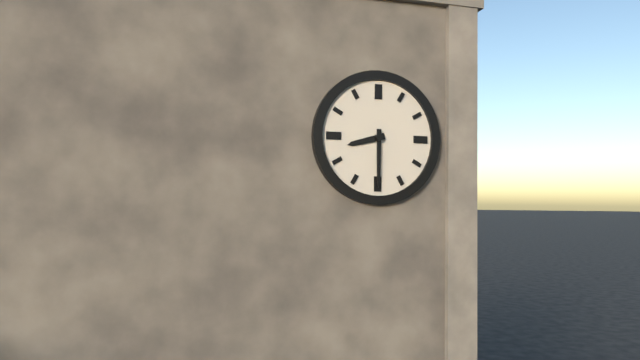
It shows {"hour": 8, "minute": 30}
